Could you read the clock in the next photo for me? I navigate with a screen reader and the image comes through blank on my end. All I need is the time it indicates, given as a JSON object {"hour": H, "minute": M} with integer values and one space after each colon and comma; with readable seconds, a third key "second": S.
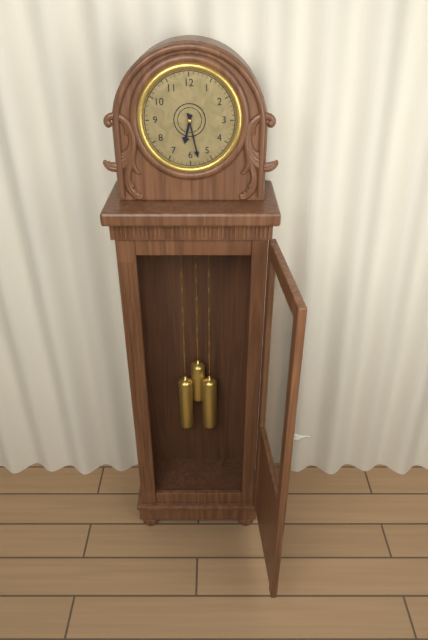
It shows {"hour": 6, "minute": 28}
